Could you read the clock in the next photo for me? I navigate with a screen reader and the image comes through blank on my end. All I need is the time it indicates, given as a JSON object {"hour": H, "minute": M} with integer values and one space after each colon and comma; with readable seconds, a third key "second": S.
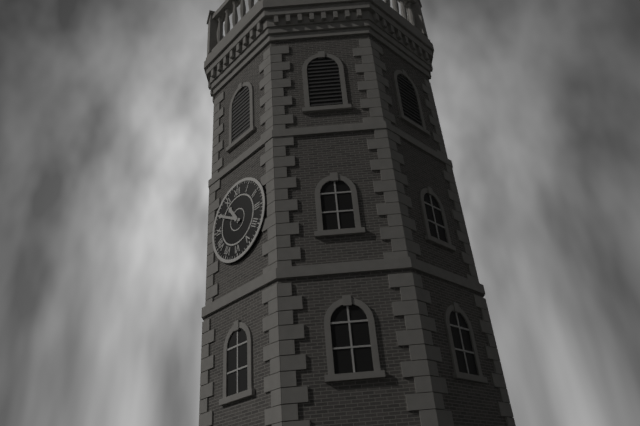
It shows {"hour": 10, "minute": 50}
